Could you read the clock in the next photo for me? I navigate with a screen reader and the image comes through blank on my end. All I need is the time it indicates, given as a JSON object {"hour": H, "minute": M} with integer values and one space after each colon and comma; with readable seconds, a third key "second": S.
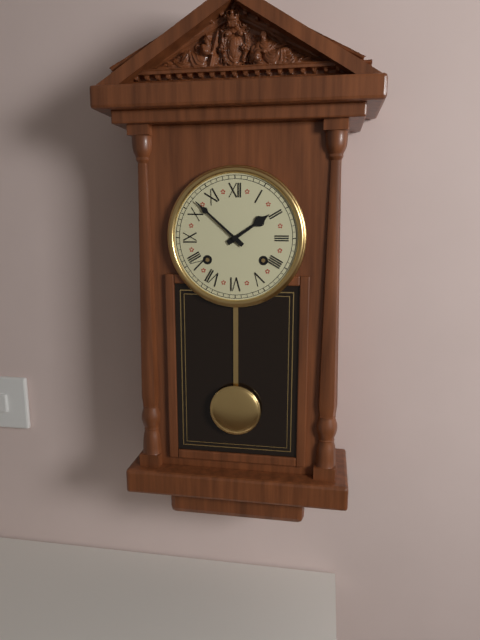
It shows {"hour": 1, "minute": 52}
